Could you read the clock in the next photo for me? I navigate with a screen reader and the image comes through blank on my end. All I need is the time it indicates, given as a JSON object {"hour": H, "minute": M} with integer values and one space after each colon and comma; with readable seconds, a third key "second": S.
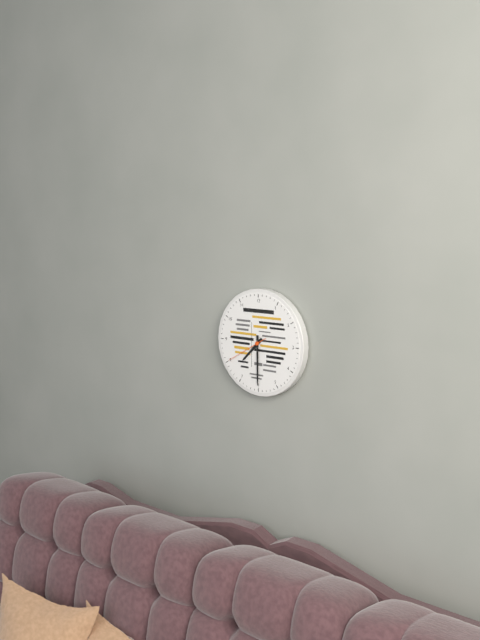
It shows {"hour": 7, "minute": 30}
